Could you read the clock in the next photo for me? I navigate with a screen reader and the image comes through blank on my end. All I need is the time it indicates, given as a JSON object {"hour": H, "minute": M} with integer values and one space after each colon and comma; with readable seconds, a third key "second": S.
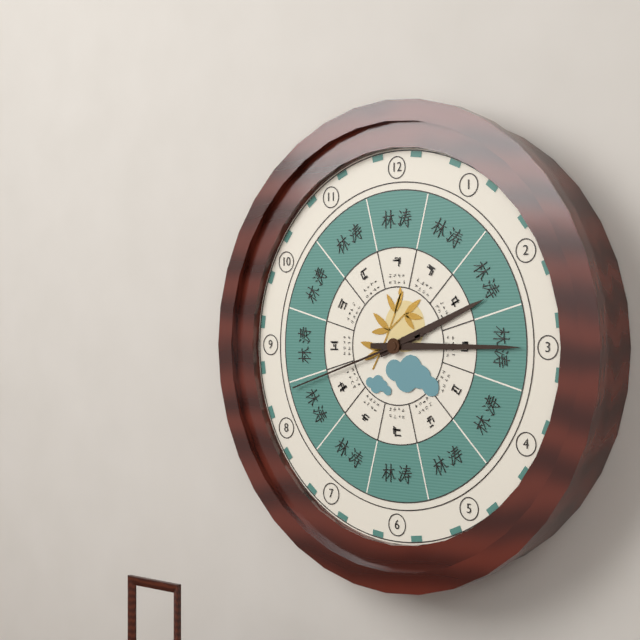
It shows {"hour": 2, "minute": 15, "second": 42}
